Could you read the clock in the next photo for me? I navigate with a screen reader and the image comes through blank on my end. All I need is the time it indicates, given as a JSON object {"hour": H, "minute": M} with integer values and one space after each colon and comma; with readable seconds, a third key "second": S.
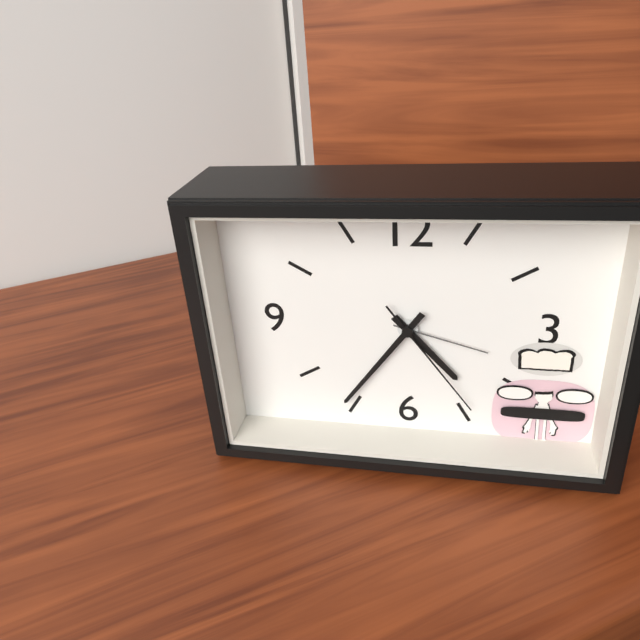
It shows {"hour": 4, "minute": 36, "second": 24}
